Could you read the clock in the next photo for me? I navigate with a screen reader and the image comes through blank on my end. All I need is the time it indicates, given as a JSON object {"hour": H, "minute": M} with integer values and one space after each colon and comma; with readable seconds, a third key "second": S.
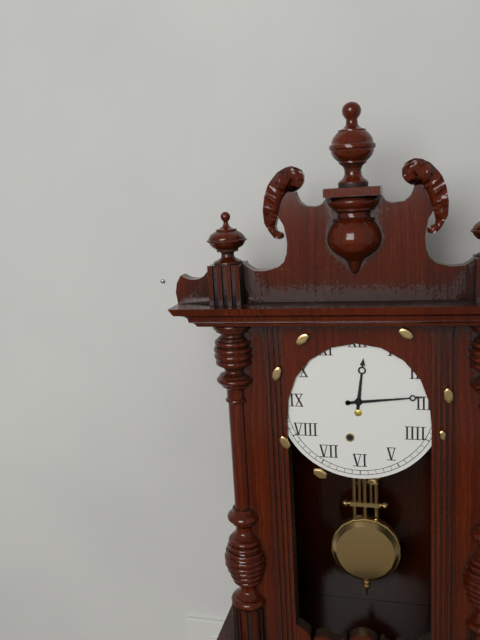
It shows {"hour": 12, "minute": 14}
